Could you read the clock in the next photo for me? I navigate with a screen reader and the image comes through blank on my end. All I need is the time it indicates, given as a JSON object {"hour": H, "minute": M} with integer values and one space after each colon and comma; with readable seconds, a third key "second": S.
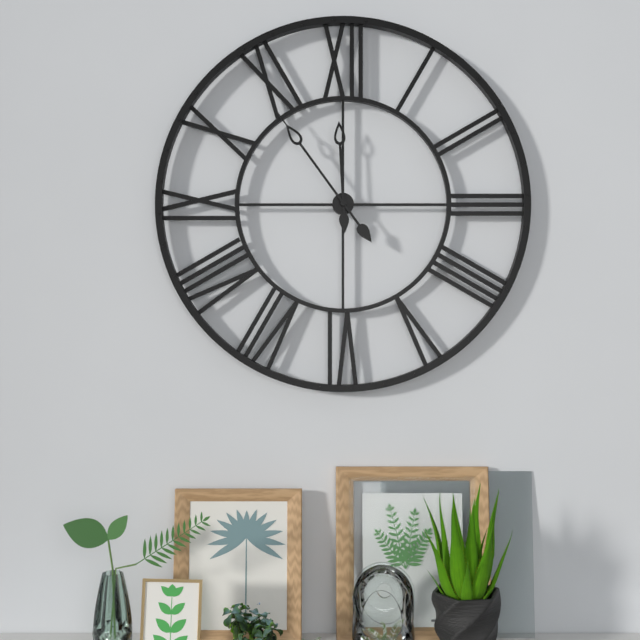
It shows {"hour": 11, "minute": 54}
